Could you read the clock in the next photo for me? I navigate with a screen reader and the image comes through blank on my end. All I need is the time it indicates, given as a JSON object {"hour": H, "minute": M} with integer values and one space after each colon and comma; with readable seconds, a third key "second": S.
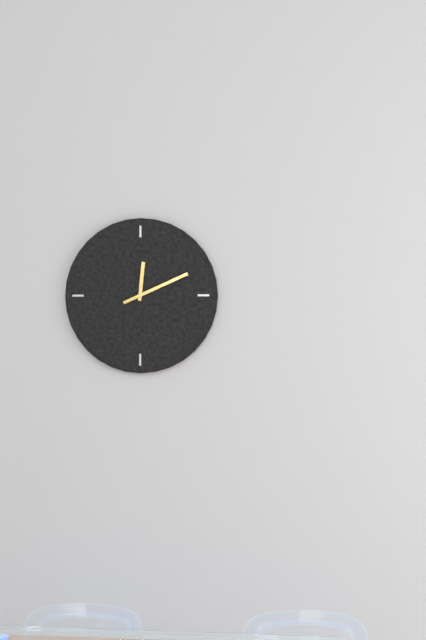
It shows {"hour": 12, "minute": 11}
